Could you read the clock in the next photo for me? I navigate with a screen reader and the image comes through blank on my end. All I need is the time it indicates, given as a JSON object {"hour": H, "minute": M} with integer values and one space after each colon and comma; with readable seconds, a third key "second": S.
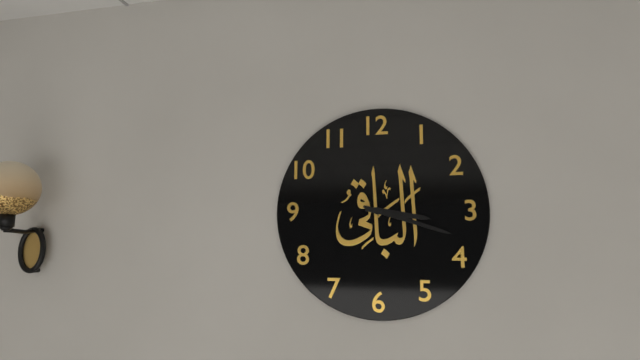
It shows {"hour": 3, "minute": 18}
